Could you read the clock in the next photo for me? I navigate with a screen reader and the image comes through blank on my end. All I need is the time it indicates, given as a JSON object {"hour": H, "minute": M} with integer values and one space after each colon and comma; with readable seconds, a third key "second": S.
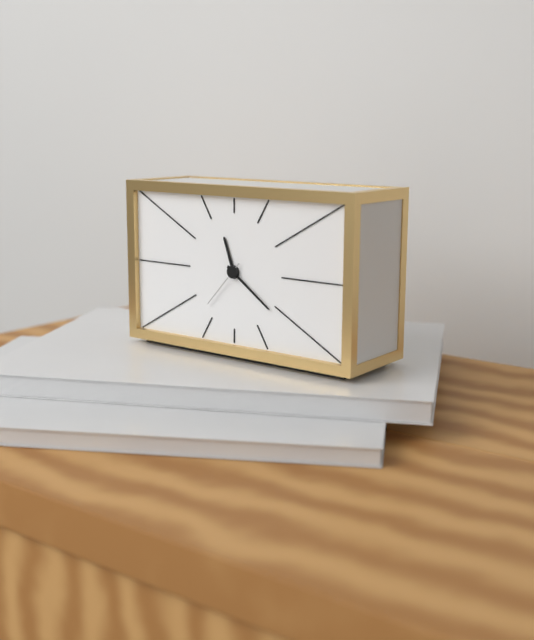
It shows {"hour": 11, "minute": 21, "second": 37}
